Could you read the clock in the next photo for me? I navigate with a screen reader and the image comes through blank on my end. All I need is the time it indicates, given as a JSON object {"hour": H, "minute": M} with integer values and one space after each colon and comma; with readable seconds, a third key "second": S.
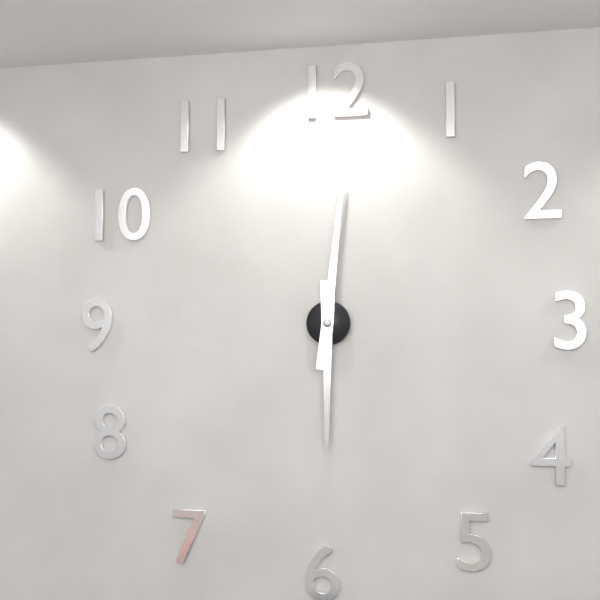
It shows {"hour": 6, "minute": 1}
